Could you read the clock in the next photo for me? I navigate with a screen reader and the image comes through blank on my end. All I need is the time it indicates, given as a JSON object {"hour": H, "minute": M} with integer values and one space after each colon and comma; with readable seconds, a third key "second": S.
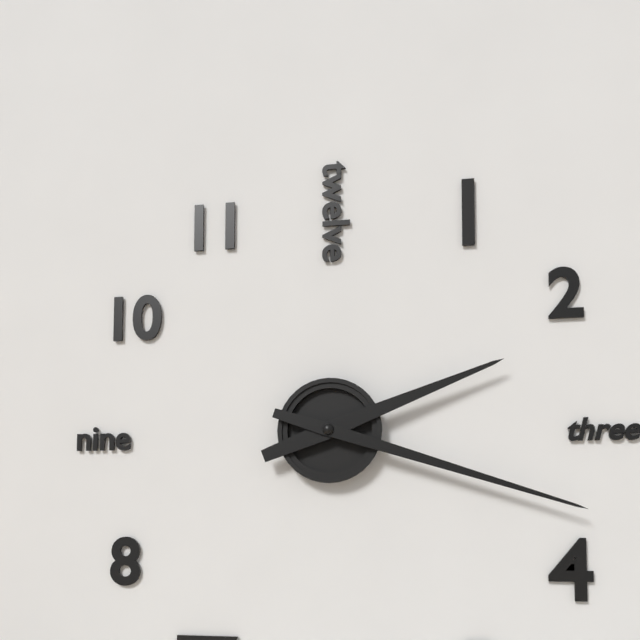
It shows {"hour": 2, "minute": 18}
